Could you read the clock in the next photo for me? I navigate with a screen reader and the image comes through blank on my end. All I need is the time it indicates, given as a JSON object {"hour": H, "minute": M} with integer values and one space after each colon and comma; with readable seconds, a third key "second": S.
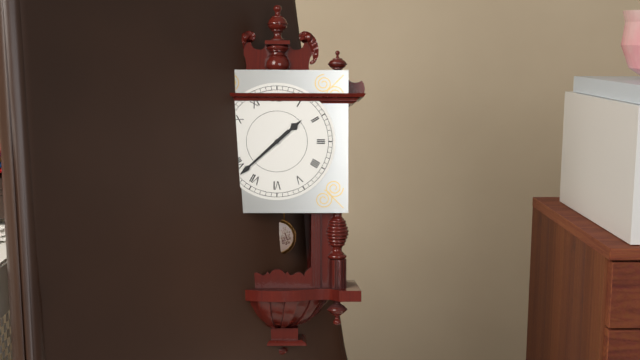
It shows {"hour": 1, "minute": 38}
